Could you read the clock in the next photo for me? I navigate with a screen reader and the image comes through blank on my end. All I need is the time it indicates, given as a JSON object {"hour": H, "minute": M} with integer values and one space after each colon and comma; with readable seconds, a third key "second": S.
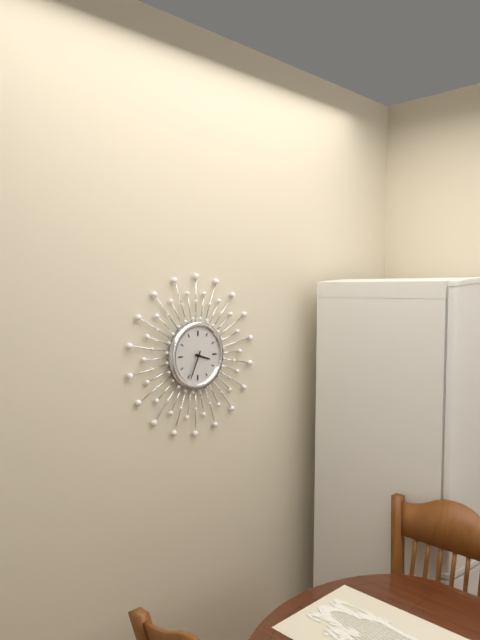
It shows {"hour": 3, "minute": 34}
